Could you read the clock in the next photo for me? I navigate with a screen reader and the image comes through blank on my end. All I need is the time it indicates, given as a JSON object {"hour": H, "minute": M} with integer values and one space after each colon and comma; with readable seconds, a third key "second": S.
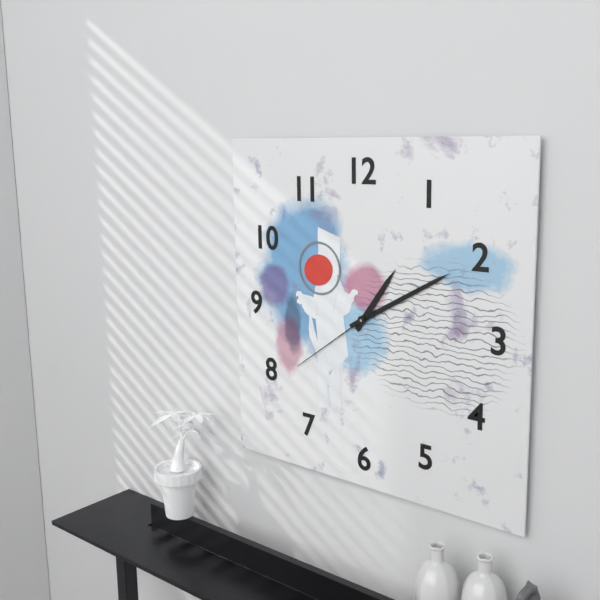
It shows {"hour": 1, "minute": 10, "second": 39}
